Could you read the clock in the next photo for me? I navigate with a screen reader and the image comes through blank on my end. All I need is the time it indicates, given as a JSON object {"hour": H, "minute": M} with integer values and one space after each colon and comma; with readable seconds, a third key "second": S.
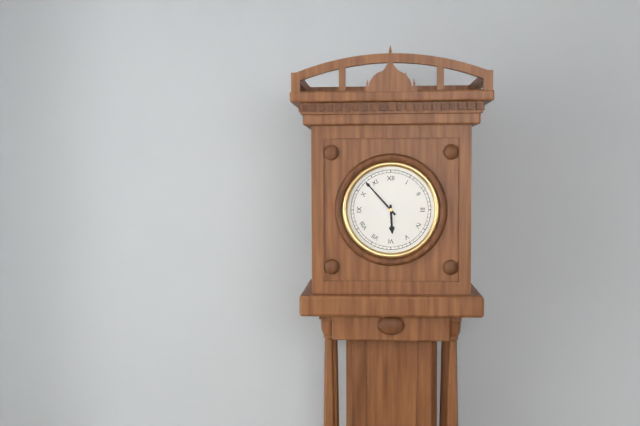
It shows {"hour": 5, "minute": 53}
